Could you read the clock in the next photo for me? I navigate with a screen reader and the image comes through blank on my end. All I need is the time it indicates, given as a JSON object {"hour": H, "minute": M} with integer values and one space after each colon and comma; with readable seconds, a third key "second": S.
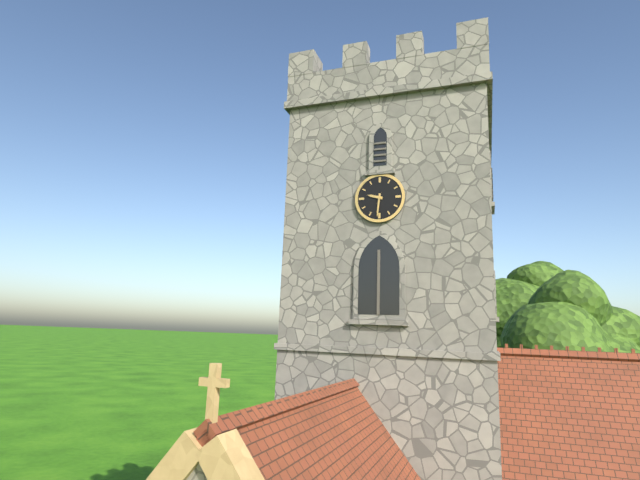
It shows {"hour": 9, "minute": 31}
